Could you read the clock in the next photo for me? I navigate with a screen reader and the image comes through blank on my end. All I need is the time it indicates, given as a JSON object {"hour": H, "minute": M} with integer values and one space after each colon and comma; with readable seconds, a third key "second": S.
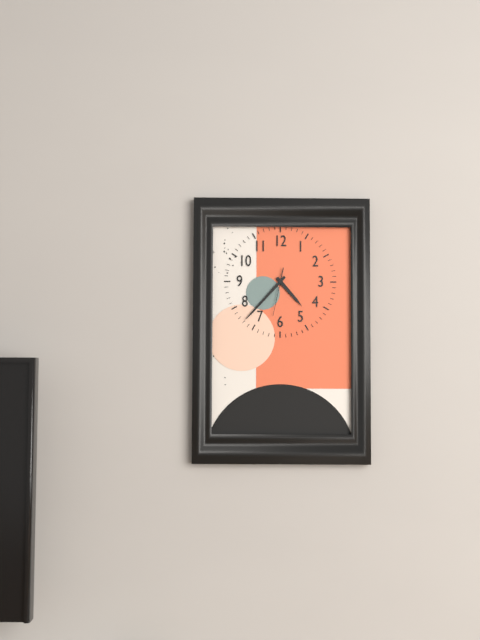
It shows {"hour": 4, "minute": 37}
